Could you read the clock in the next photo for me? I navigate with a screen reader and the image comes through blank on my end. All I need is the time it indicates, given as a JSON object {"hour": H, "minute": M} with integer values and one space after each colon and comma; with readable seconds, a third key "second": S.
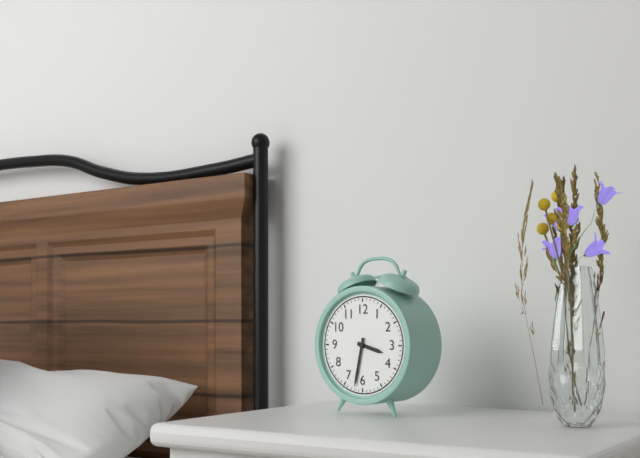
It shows {"hour": 3, "minute": 32}
